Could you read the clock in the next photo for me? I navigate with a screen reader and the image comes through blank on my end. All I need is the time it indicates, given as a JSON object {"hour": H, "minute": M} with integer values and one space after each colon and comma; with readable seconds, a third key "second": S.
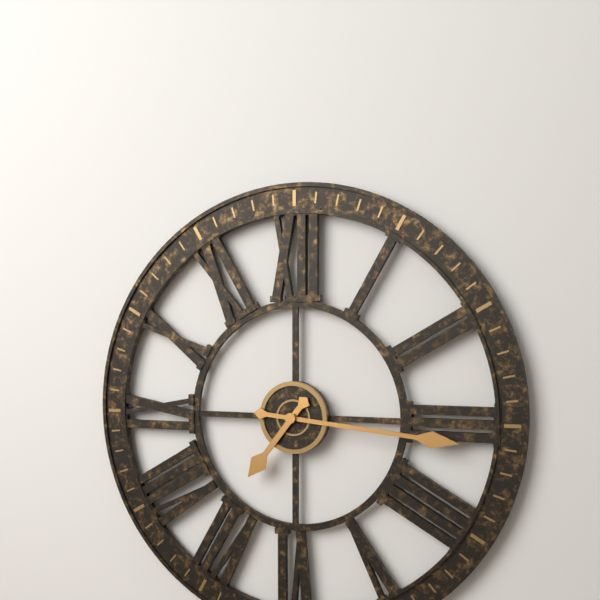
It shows {"hour": 7, "minute": 16}
